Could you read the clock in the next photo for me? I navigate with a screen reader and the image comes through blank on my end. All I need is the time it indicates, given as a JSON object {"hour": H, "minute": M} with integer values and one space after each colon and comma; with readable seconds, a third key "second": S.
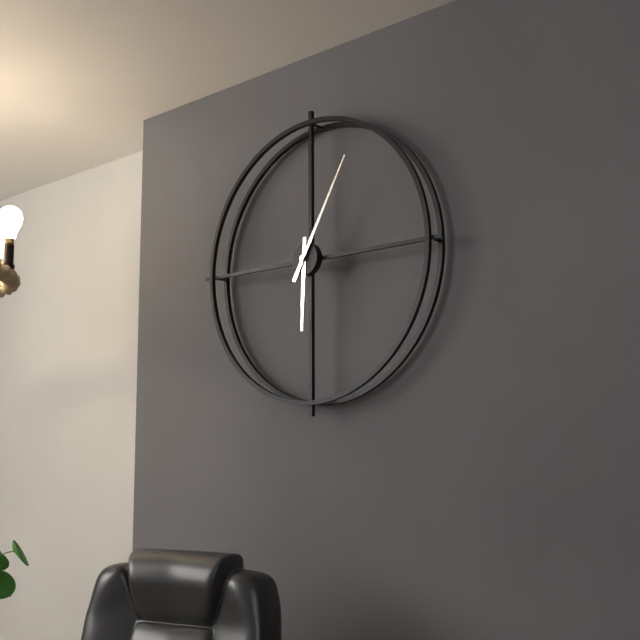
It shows {"hour": 6, "minute": 5}
